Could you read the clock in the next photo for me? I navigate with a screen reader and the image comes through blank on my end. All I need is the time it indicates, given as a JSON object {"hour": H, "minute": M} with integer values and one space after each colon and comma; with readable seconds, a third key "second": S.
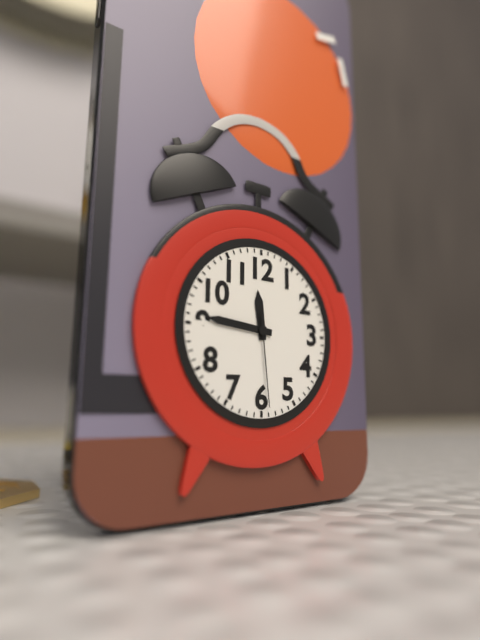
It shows {"hour": 11, "minute": 46, "second": 29}
